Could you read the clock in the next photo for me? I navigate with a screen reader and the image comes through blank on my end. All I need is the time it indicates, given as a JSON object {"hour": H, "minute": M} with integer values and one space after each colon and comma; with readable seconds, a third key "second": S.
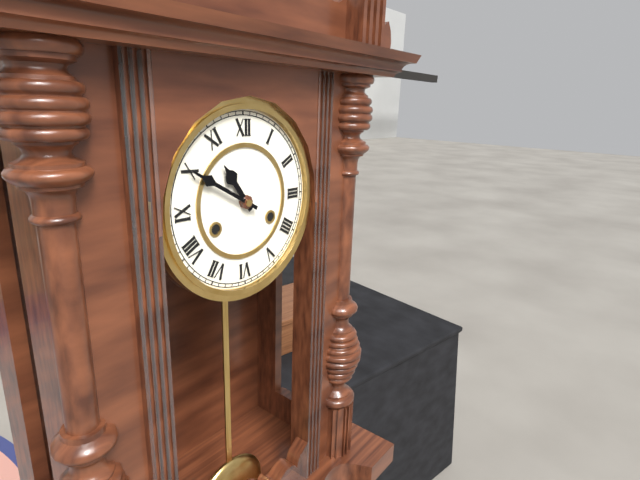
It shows {"hour": 10, "minute": 50}
